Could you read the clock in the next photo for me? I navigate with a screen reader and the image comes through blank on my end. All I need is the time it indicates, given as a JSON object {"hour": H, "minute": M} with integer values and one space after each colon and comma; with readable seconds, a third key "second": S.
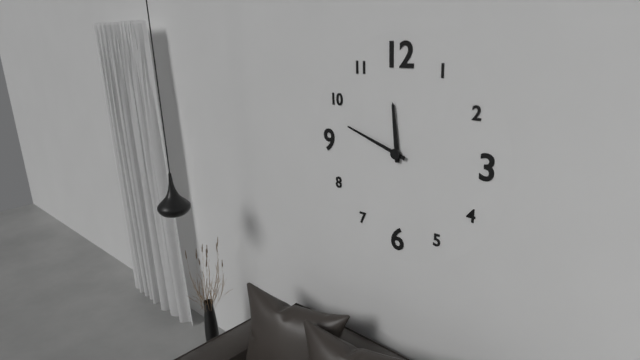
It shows {"hour": 11, "minute": 48}
